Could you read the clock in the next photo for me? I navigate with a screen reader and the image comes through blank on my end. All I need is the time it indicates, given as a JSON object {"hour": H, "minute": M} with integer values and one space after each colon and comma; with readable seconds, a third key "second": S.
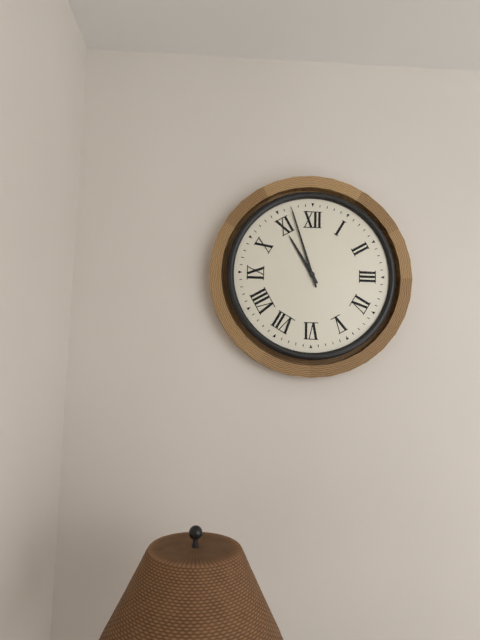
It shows {"hour": 10, "minute": 57}
